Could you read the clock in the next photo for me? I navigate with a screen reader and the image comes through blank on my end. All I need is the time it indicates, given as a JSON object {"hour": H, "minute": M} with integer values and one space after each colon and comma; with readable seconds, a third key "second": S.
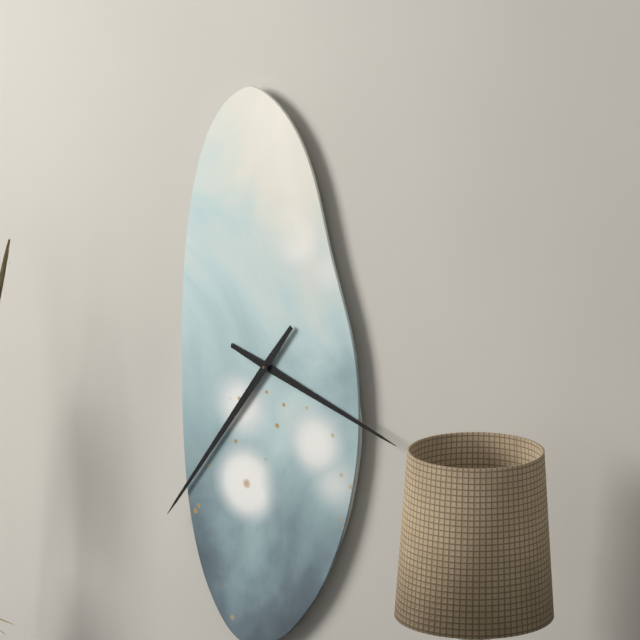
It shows {"hour": 3, "minute": 36}
